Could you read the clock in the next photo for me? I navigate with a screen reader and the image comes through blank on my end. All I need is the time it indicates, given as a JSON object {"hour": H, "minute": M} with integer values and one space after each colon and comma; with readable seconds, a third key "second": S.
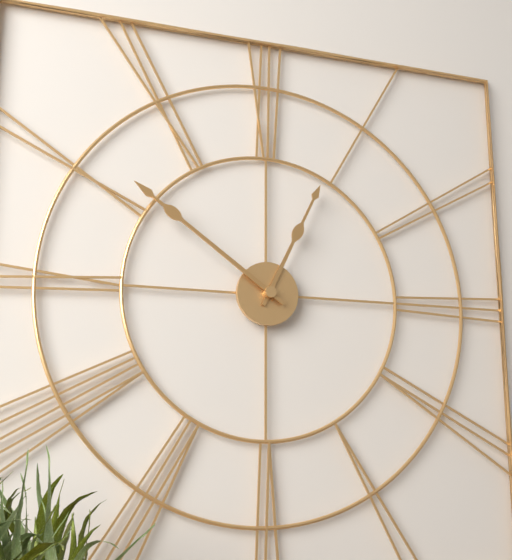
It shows {"hour": 12, "minute": 51}
